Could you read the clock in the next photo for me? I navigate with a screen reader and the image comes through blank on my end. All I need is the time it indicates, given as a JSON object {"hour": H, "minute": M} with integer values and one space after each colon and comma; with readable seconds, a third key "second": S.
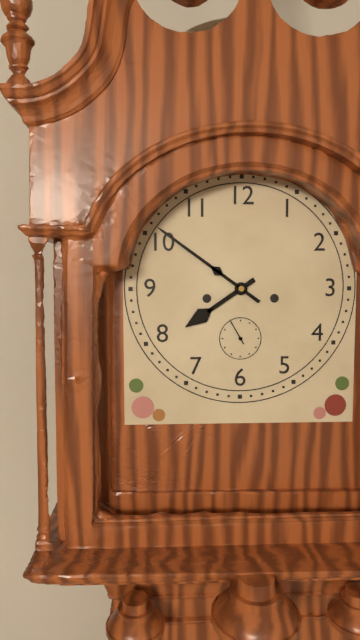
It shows {"hour": 7, "minute": 51}
